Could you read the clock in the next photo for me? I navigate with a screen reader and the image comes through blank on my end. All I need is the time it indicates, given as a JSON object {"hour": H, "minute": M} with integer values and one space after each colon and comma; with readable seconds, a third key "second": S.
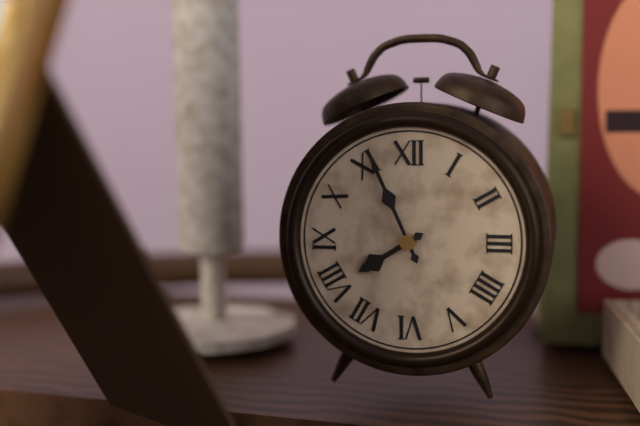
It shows {"hour": 7, "minute": 56}
